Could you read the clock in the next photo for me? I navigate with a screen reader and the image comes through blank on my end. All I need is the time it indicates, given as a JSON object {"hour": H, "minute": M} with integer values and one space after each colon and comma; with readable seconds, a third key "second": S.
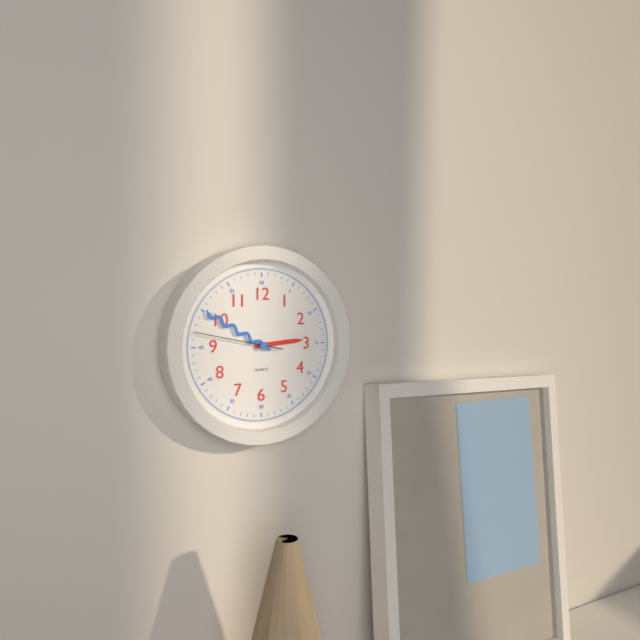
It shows {"hour": 2, "minute": 50, "second": 47}
